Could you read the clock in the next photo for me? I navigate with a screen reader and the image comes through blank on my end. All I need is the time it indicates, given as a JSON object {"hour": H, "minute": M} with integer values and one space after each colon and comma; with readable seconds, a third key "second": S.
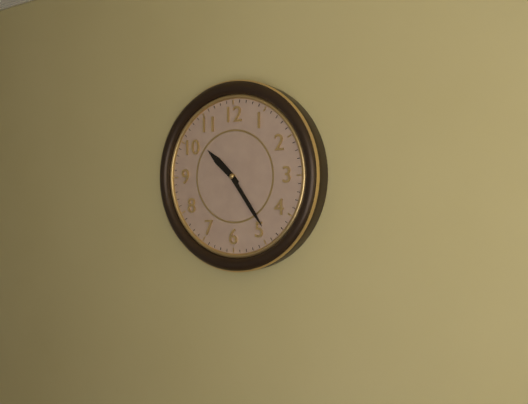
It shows {"hour": 10, "minute": 24}
